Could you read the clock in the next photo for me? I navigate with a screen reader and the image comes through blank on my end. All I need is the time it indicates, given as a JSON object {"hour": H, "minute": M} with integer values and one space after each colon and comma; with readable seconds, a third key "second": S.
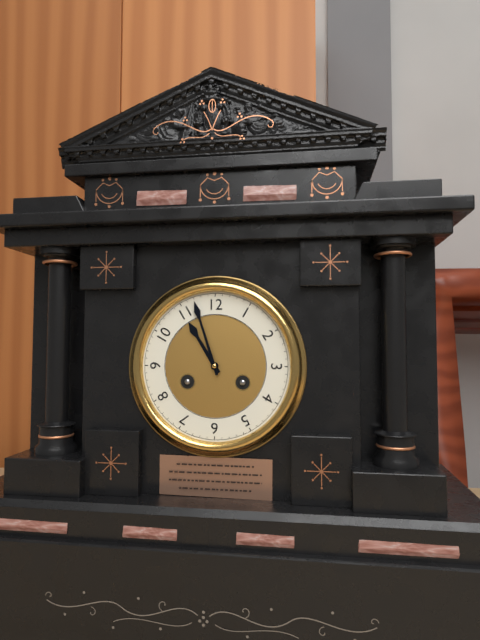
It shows {"hour": 10, "minute": 57}
